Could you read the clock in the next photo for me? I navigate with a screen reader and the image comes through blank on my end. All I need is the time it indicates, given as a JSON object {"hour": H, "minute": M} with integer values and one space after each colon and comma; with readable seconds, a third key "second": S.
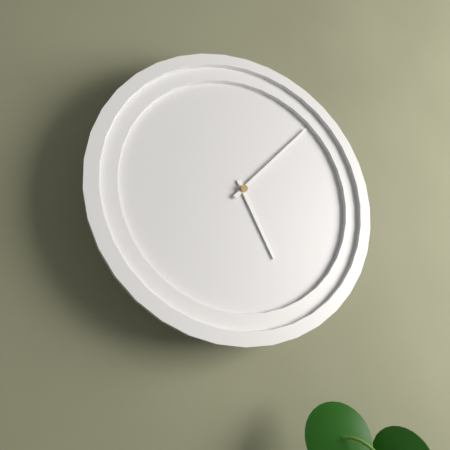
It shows {"hour": 5, "minute": 7}
